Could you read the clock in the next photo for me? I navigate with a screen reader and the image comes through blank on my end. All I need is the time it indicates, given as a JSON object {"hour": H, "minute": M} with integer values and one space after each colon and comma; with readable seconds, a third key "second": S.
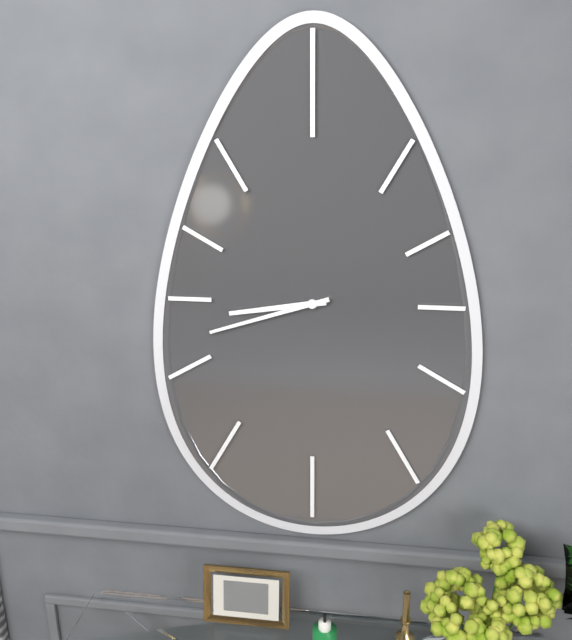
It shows {"hour": 8, "minute": 42}
